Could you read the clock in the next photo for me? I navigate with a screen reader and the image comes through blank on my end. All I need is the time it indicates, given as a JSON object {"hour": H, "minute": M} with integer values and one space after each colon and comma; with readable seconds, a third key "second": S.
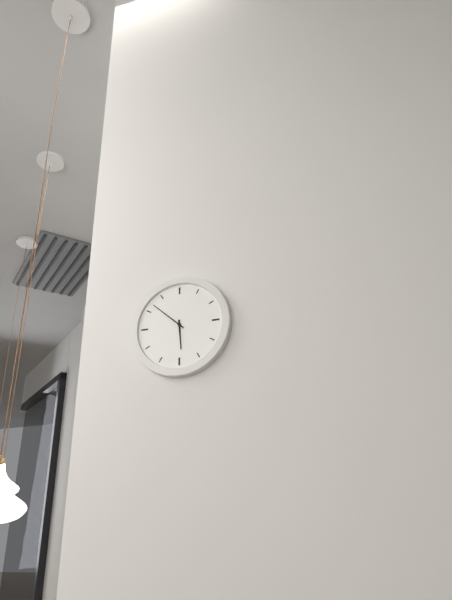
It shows {"hour": 5, "minute": 52}
